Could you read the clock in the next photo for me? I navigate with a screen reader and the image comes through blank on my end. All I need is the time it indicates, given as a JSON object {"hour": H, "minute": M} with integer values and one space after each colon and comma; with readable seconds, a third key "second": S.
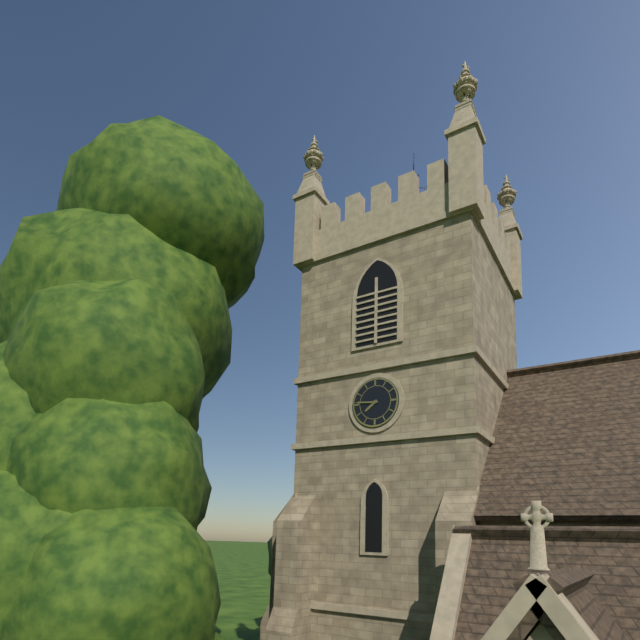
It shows {"hour": 7, "minute": 46}
